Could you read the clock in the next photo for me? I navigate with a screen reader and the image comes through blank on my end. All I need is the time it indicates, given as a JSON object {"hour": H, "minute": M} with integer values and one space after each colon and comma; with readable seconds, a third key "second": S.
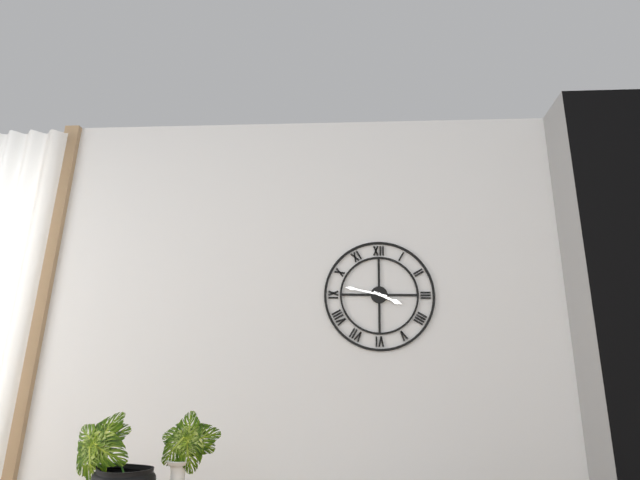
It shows {"hour": 3, "minute": 47}
